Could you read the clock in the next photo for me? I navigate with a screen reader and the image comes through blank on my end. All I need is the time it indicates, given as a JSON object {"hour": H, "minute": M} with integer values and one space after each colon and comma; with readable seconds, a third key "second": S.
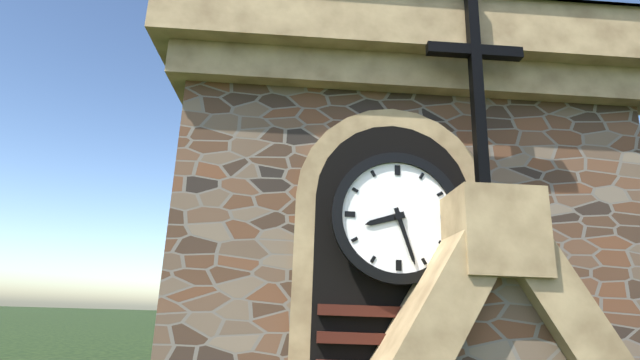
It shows {"hour": 8, "minute": 27}
